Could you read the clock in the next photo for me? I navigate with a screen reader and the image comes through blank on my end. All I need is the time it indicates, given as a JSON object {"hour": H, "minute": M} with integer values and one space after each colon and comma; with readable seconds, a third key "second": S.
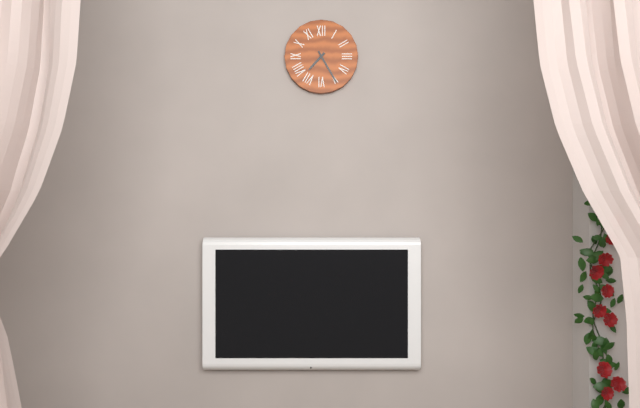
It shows {"hour": 7, "minute": 25}
